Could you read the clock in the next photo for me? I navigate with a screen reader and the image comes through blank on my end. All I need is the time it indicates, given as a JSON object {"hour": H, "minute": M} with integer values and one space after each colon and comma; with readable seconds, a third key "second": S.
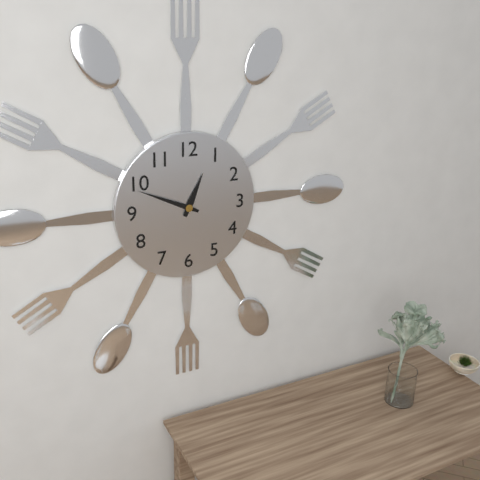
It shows {"hour": 12, "minute": 49}
